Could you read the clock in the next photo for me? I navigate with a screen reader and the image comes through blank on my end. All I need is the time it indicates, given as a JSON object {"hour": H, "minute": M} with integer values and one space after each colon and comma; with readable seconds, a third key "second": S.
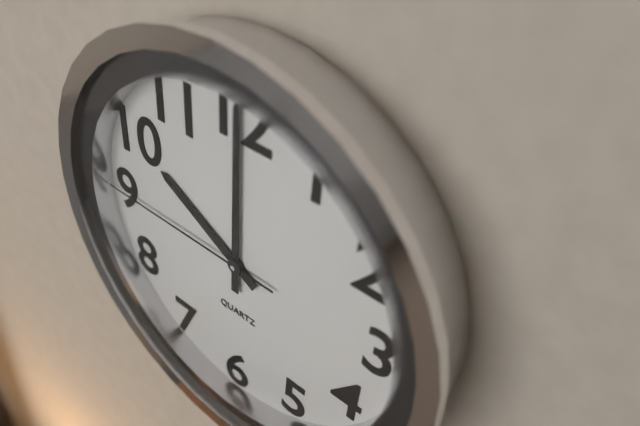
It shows {"hour": 10, "minute": 0, "second": 45}
